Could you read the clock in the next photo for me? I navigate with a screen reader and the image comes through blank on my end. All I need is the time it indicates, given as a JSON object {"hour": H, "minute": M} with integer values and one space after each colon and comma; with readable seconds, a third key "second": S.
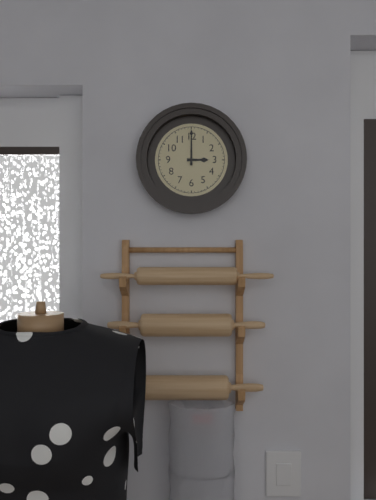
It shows {"hour": 3, "minute": 0}
